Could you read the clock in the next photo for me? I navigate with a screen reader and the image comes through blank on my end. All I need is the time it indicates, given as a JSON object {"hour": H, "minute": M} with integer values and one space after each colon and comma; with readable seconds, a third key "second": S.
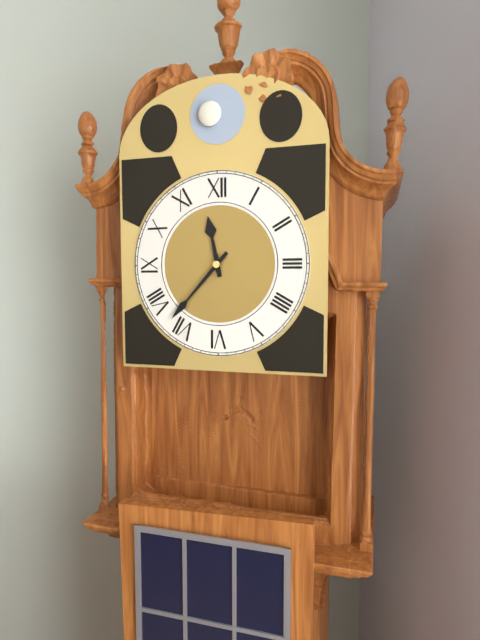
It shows {"hour": 11, "minute": 37}
